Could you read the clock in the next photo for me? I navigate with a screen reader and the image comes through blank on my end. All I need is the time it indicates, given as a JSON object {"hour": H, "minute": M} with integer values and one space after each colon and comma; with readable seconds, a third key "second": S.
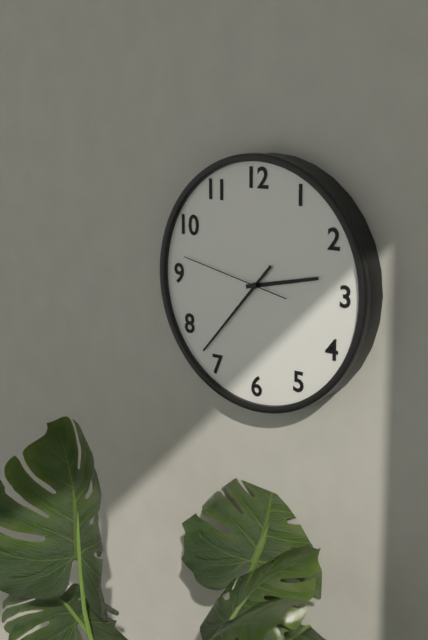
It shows {"hour": 2, "minute": 37, "second": 47}
